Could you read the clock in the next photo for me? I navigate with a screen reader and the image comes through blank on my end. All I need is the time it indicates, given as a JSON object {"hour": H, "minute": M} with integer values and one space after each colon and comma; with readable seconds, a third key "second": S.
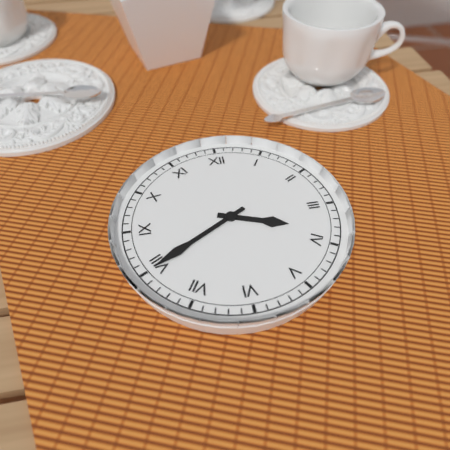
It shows {"hour": 3, "minute": 40}
